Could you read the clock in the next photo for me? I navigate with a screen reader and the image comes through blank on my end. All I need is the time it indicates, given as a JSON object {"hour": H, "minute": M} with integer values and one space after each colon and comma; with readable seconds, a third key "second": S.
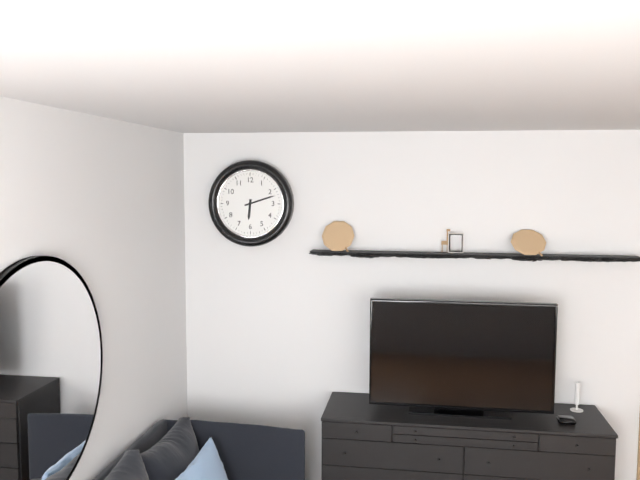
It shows {"hour": 6, "minute": 12}
